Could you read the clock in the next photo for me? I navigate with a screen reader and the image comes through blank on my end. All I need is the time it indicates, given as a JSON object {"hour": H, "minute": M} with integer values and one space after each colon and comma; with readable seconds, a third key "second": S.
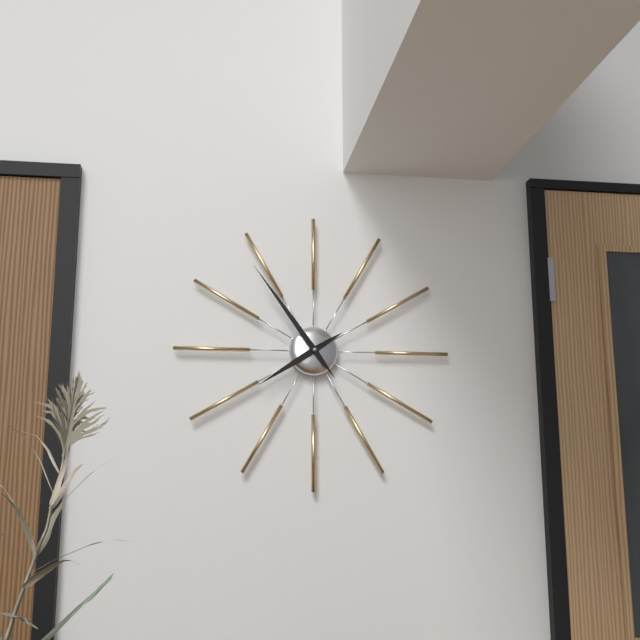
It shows {"hour": 7, "minute": 54}
